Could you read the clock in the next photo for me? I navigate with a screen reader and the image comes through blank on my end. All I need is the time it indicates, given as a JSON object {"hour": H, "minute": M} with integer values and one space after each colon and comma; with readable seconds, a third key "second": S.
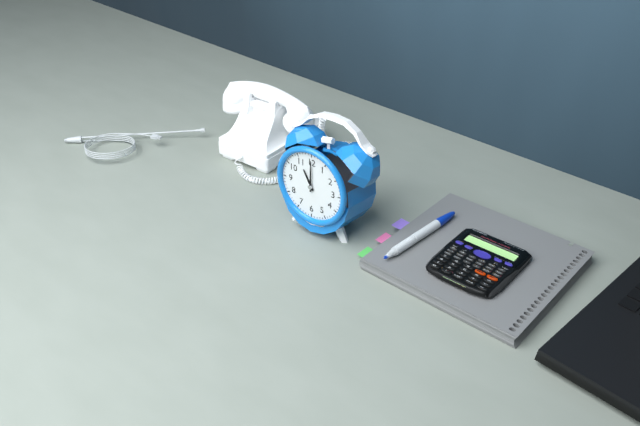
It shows {"hour": 11, "minute": 0}
